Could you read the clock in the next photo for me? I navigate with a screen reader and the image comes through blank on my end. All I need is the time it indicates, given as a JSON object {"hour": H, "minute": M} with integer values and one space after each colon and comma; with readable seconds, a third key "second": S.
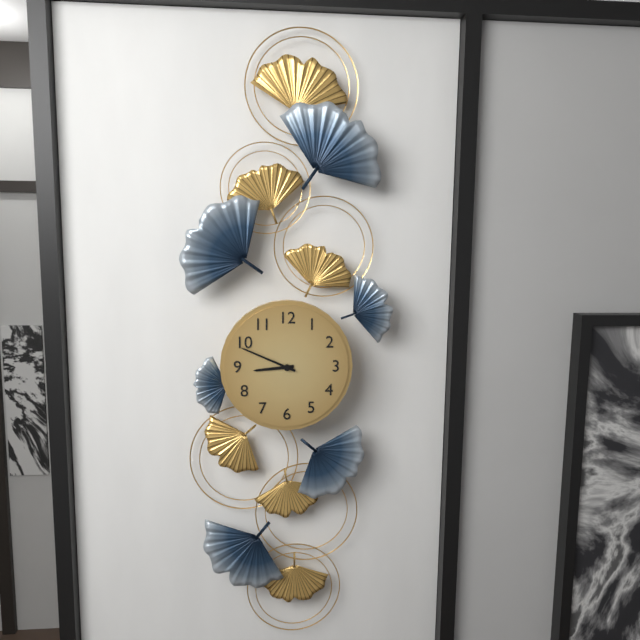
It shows {"hour": 8, "minute": 49}
